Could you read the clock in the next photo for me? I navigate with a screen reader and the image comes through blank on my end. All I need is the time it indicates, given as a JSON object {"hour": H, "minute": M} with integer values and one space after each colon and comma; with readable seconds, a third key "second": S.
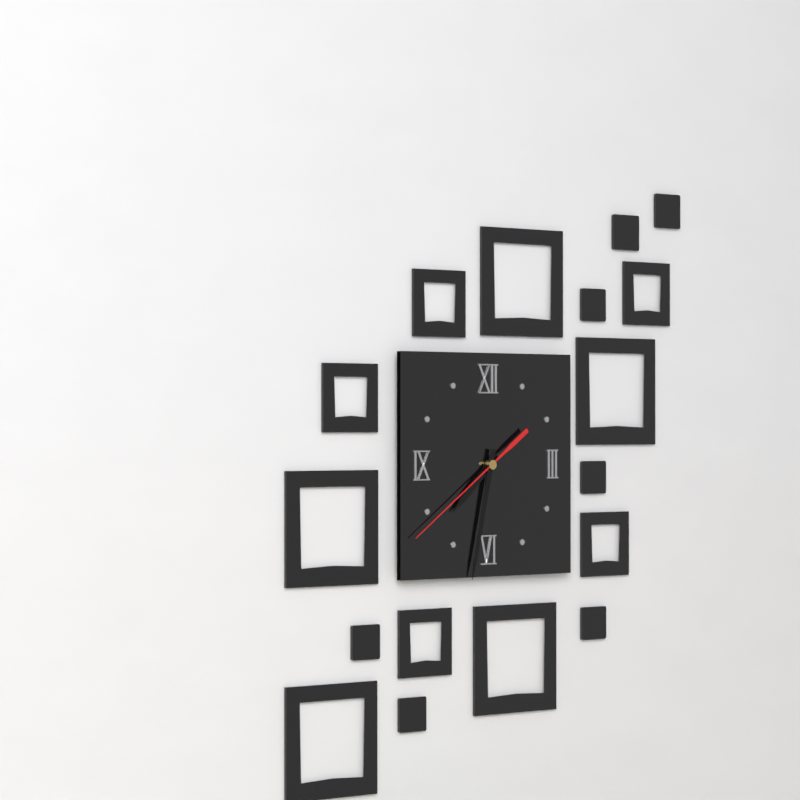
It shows {"hour": 7, "minute": 32, "second": 39}
